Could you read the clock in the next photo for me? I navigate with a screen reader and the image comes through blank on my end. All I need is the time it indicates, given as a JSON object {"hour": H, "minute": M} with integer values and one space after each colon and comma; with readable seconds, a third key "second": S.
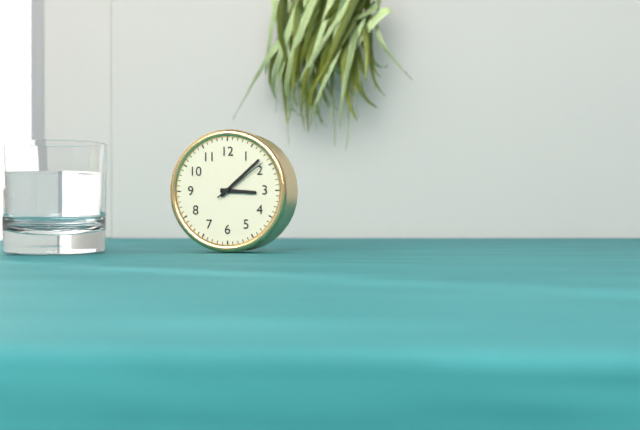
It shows {"hour": 3, "minute": 8, "second": 9}
